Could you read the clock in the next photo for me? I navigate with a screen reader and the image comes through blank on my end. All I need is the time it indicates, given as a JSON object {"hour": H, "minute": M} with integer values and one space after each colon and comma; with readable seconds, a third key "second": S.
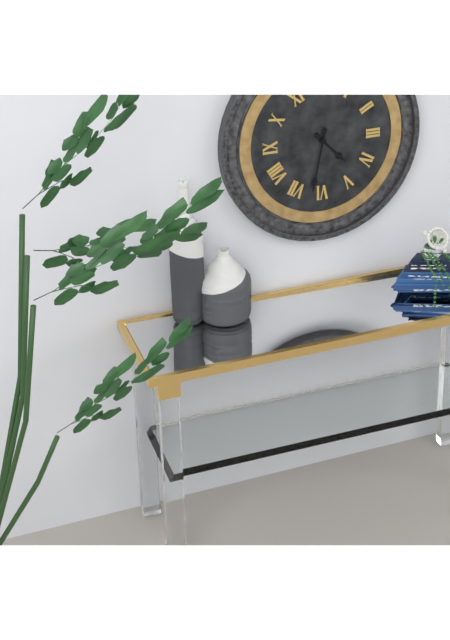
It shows {"hour": 4, "minute": 32}
